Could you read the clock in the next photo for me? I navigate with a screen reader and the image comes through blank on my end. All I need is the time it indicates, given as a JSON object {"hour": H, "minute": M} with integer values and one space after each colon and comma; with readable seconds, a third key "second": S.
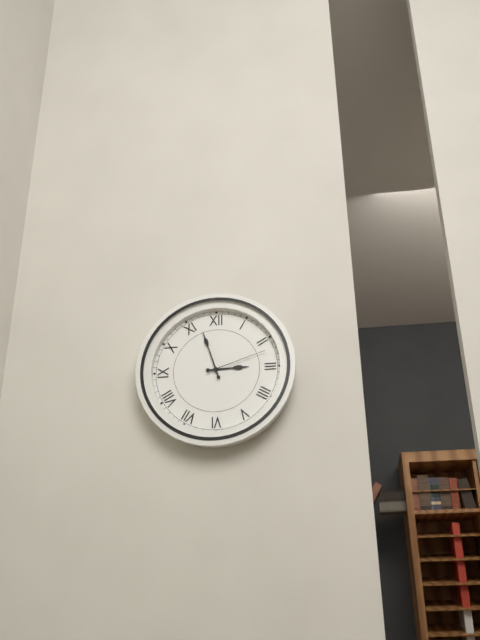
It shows {"hour": 2, "minute": 57, "second": 12}
